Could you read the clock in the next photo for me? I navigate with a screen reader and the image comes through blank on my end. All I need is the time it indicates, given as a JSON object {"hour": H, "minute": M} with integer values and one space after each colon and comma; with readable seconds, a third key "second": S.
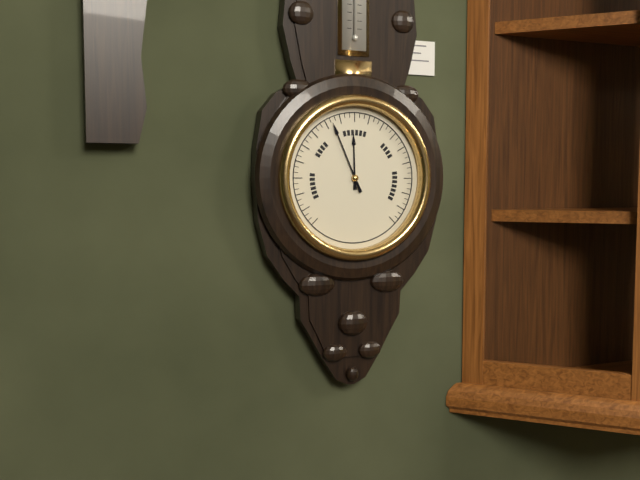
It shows {"hour": 11, "minute": 56}
